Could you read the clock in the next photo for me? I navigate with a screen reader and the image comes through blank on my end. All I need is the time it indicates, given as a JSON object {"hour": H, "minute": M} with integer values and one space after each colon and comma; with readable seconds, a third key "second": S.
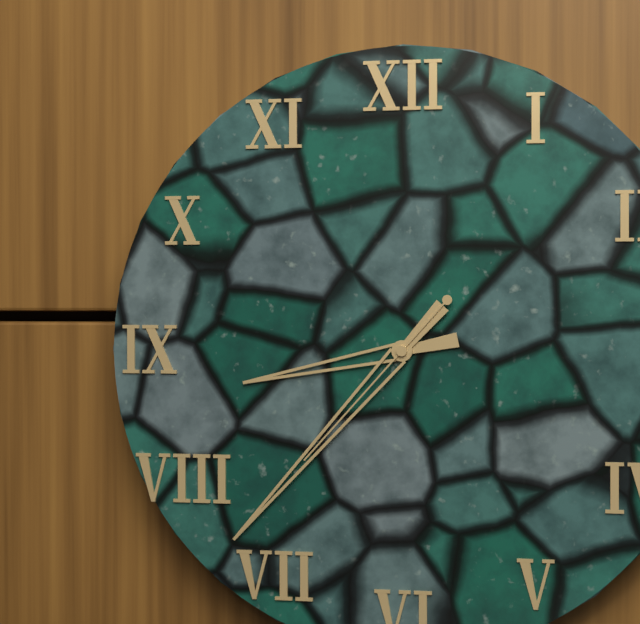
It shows {"hour": 8, "minute": 37, "second": 37}
